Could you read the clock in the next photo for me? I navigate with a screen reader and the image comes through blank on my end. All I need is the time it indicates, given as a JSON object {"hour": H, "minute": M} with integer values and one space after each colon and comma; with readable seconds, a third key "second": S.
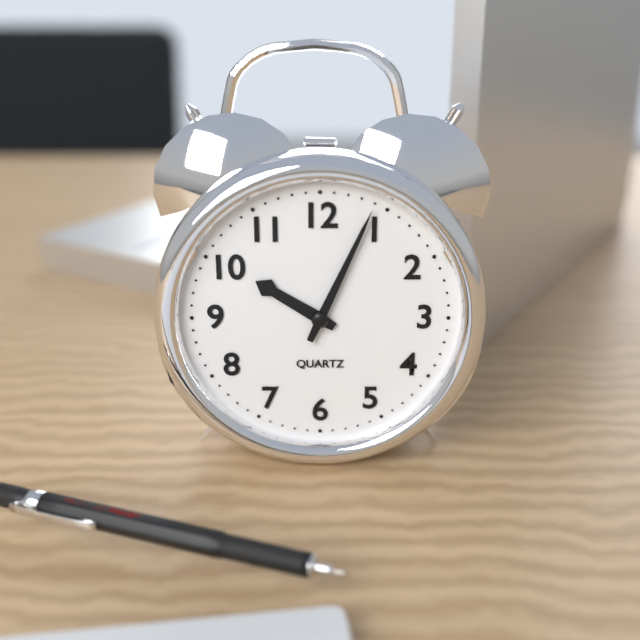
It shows {"hour": 10, "minute": 4}
